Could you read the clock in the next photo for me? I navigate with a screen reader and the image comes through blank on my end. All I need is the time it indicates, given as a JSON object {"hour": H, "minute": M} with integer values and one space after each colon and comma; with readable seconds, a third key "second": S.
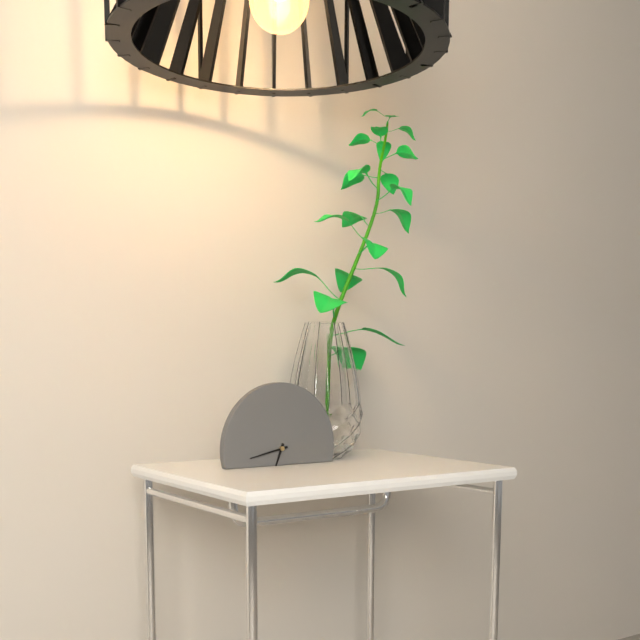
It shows {"hour": 6, "minute": 43}
